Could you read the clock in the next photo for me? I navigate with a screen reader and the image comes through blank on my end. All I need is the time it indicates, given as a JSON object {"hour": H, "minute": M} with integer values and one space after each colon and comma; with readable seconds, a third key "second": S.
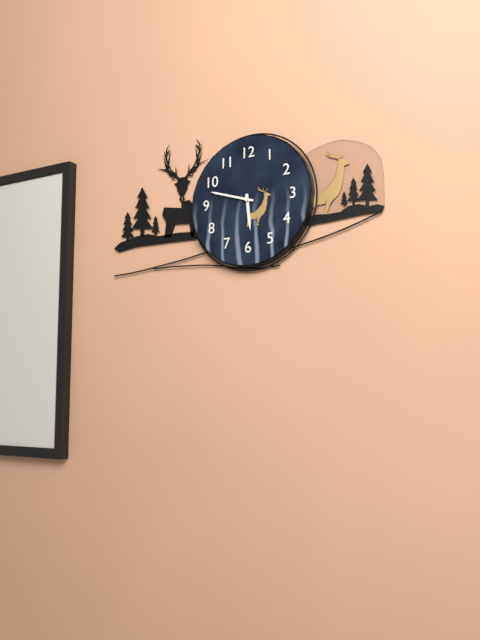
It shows {"hour": 5, "minute": 48}
